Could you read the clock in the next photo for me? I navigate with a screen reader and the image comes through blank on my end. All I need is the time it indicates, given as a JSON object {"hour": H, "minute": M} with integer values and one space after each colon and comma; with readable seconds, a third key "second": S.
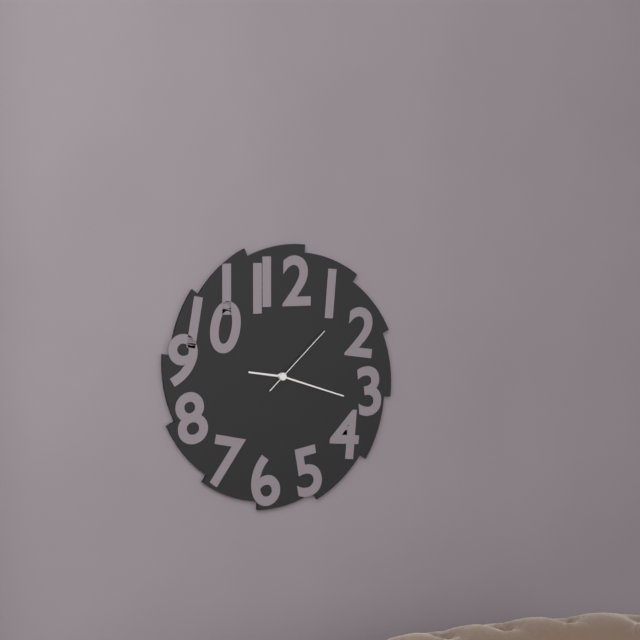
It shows {"hour": 9, "minute": 18, "second": 8}
